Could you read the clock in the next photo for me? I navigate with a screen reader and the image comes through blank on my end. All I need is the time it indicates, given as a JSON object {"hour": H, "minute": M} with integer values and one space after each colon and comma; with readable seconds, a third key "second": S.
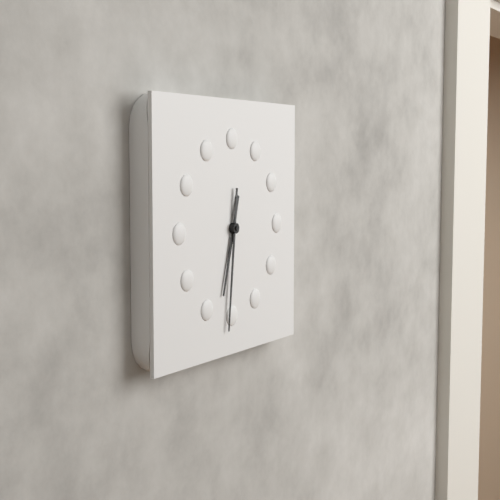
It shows {"hour": 6, "minute": 31}
